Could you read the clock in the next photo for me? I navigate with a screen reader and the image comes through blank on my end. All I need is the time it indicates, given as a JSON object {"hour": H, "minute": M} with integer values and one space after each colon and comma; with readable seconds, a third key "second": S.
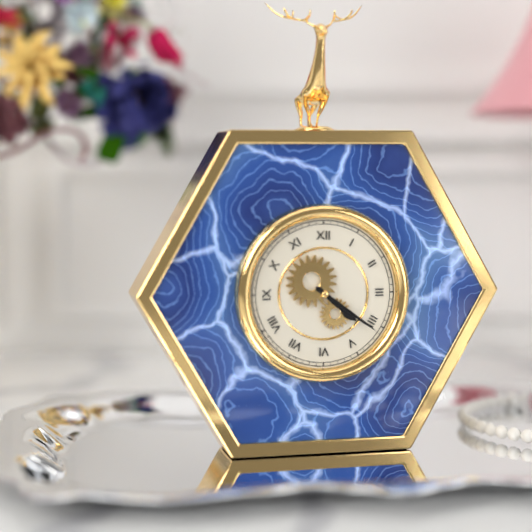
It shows {"hour": 4, "minute": 21}
